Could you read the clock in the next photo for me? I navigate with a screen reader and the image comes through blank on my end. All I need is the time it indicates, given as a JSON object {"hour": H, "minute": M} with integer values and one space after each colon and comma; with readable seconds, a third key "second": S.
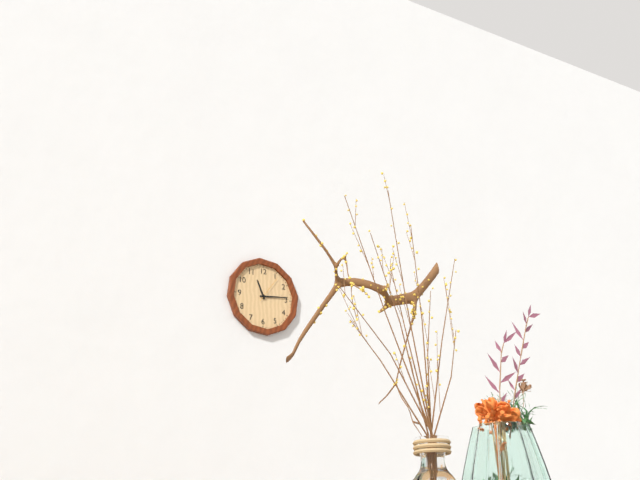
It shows {"hour": 11, "minute": 14}
